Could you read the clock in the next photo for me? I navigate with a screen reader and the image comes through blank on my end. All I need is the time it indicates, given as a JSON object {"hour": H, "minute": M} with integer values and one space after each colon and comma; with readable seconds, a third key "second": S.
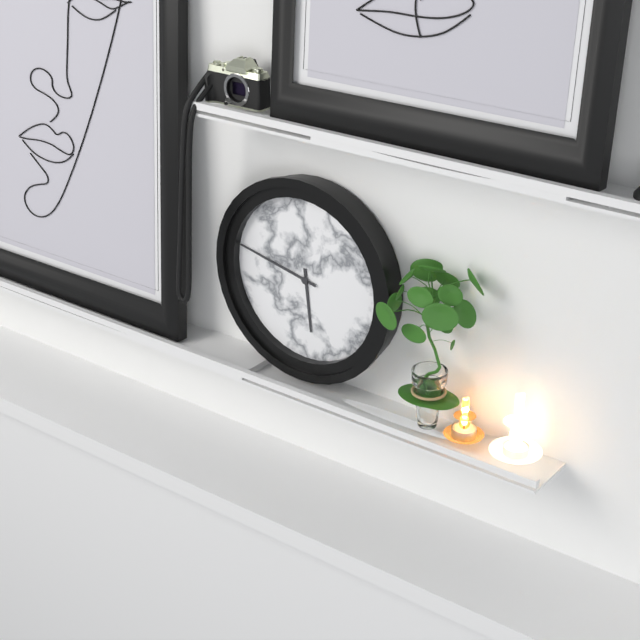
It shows {"hour": 5, "minute": 47}
